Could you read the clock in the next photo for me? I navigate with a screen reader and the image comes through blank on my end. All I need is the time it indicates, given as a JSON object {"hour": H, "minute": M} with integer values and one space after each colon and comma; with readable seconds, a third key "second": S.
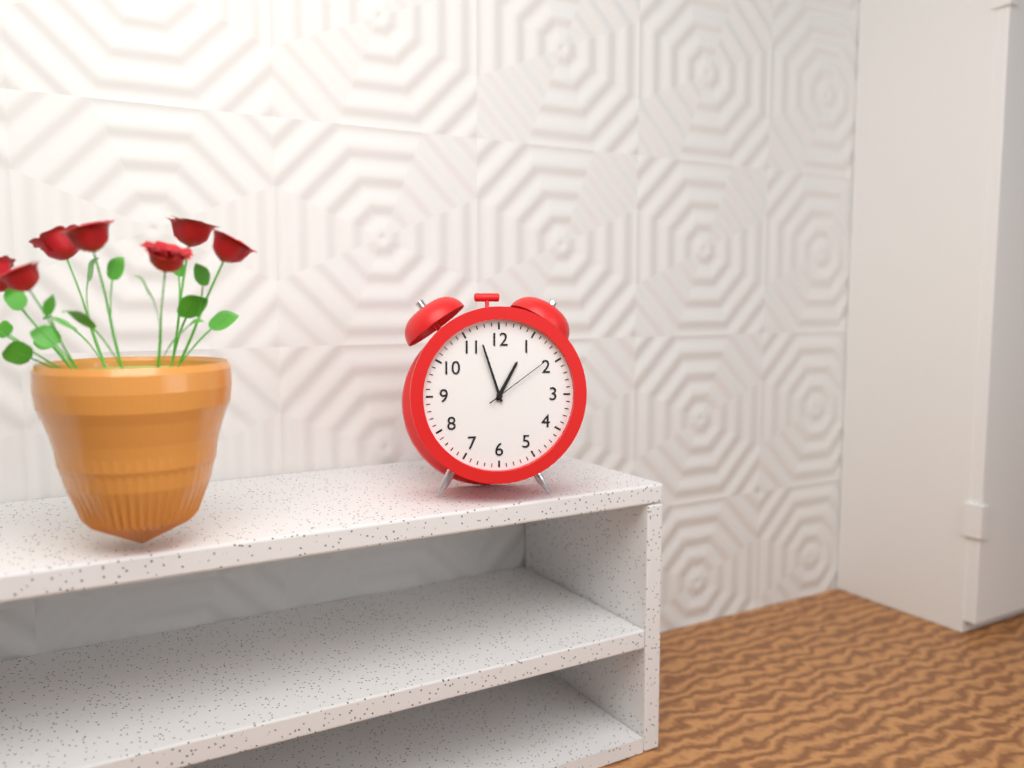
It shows {"hour": 12, "minute": 57, "second": 9}
